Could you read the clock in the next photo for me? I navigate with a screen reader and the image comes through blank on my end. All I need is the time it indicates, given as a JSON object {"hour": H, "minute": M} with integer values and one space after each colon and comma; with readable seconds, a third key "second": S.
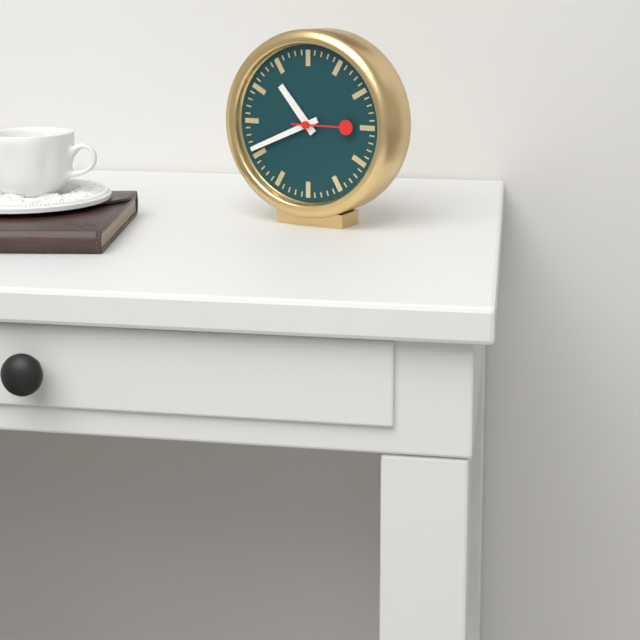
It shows {"hour": 10, "minute": 41}
